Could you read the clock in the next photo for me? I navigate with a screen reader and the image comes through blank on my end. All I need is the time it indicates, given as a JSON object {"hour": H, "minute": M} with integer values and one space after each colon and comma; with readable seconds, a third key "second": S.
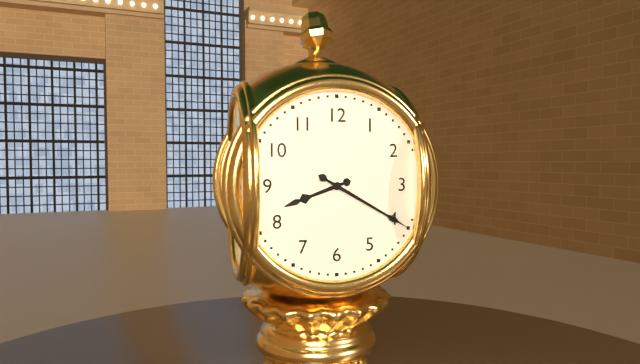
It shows {"hour": 8, "minute": 20}
